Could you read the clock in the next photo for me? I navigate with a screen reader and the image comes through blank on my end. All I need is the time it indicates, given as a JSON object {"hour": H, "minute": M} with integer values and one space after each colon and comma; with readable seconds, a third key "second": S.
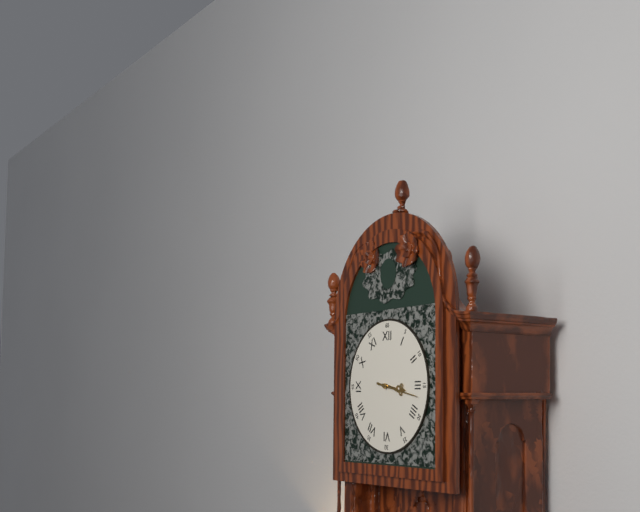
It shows {"hour": 3, "minute": 17}
